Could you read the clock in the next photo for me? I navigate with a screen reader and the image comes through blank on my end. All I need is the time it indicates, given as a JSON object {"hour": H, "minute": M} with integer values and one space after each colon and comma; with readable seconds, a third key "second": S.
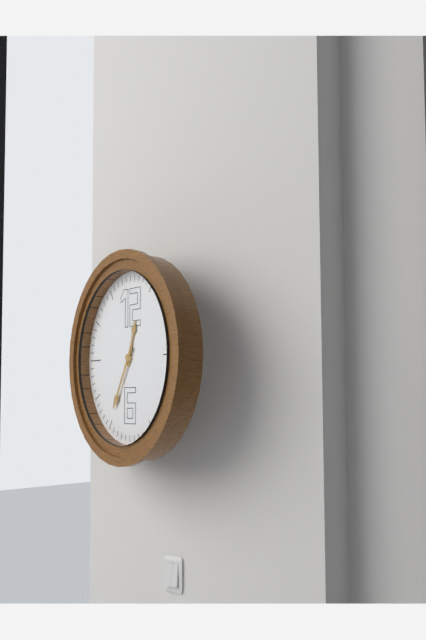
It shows {"hour": 12, "minute": 35}
